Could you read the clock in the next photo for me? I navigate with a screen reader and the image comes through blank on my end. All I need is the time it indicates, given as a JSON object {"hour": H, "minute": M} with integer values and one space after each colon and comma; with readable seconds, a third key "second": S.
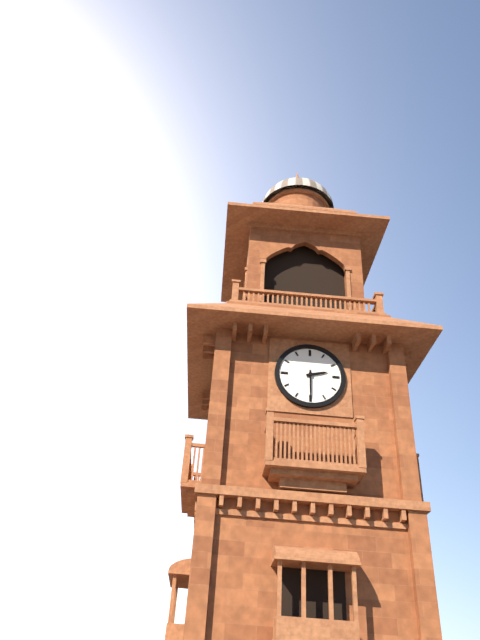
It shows {"hour": 2, "minute": 30}
